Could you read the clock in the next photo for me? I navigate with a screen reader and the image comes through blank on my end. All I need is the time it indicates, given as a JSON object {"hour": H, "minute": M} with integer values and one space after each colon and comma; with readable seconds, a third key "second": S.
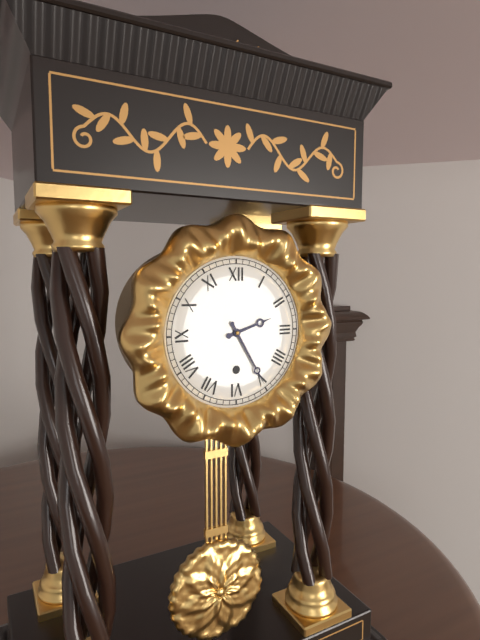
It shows {"hour": 2, "minute": 25}
